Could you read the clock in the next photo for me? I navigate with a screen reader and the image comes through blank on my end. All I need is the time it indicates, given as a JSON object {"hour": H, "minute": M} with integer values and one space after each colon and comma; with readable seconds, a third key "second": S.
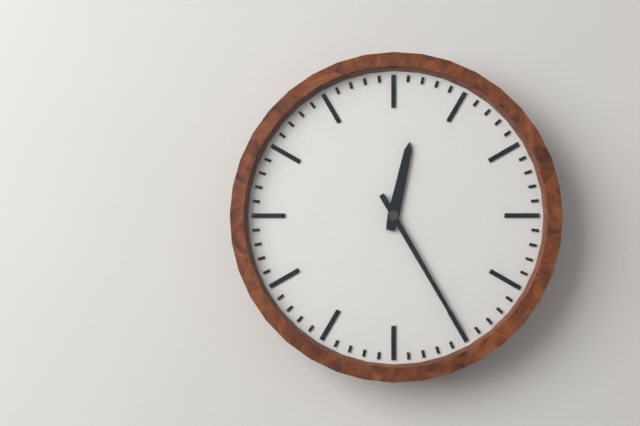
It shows {"hour": 12, "minute": 25}
